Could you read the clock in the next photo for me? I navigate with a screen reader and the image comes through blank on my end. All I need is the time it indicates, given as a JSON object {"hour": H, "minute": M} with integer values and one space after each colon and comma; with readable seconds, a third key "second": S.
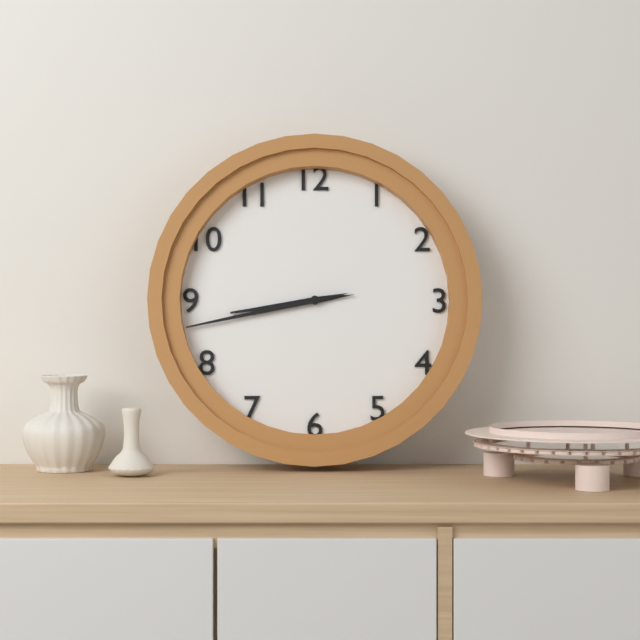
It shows {"hour": 8, "minute": 43}
